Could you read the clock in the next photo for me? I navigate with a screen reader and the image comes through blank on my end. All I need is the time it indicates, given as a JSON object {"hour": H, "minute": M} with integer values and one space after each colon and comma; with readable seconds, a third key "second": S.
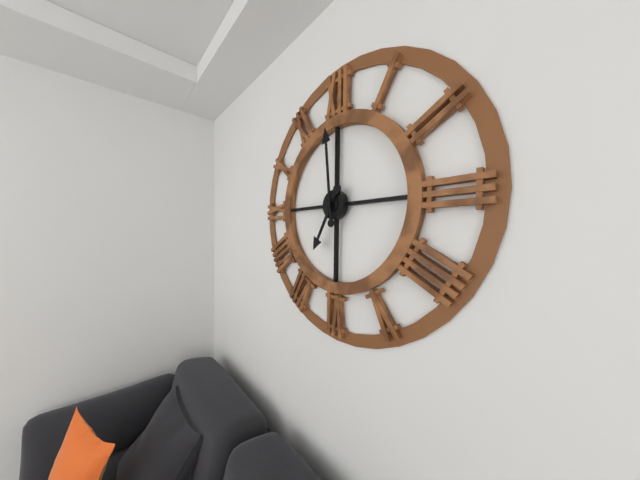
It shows {"hour": 6, "minute": 59}
